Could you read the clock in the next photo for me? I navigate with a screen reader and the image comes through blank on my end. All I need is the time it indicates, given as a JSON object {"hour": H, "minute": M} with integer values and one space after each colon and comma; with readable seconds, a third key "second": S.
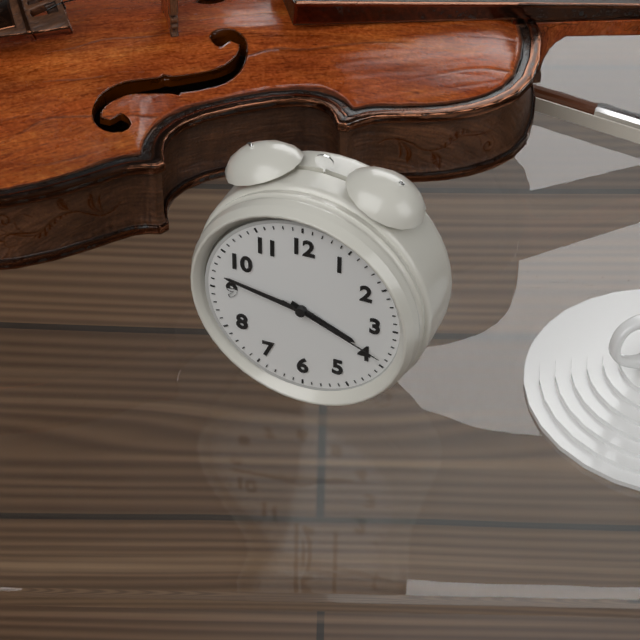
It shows {"hour": 3, "minute": 47, "second": 19}
